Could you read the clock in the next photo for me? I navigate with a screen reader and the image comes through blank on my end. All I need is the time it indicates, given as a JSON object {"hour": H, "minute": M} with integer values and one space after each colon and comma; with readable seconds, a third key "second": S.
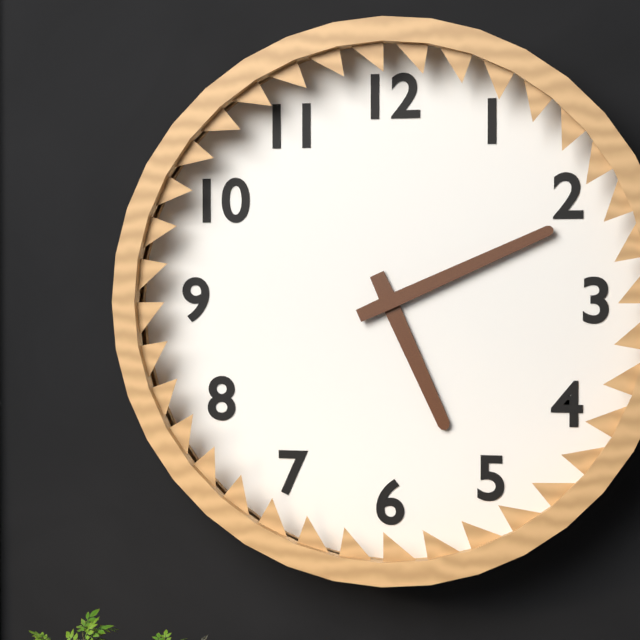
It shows {"hour": 5, "minute": 11}
